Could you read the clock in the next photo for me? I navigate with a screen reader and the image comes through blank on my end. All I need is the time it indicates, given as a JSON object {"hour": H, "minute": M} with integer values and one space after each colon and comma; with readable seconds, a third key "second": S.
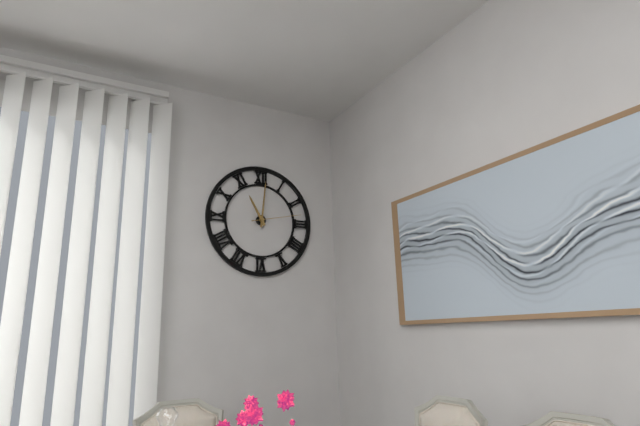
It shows {"hour": 11, "minute": 1, "second": 13}
